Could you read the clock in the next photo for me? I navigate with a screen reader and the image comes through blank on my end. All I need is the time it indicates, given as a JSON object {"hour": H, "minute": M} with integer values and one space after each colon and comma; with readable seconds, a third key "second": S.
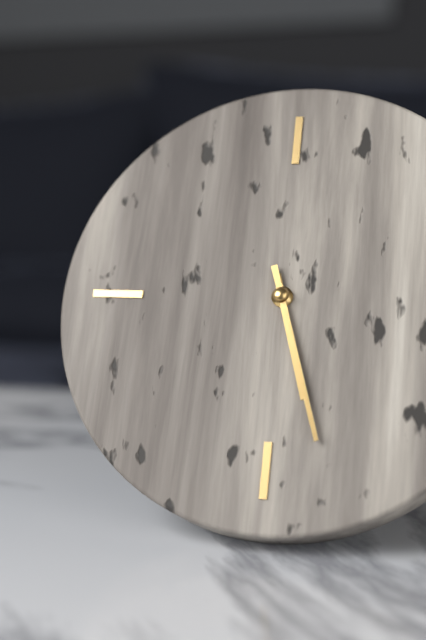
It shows {"hour": 5, "minute": 27}
